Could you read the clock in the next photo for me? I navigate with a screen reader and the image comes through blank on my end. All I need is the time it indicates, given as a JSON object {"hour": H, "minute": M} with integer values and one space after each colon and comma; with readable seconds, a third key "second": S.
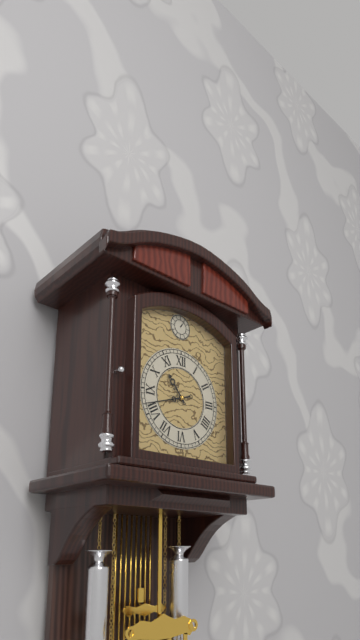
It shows {"hour": 10, "minute": 42}
